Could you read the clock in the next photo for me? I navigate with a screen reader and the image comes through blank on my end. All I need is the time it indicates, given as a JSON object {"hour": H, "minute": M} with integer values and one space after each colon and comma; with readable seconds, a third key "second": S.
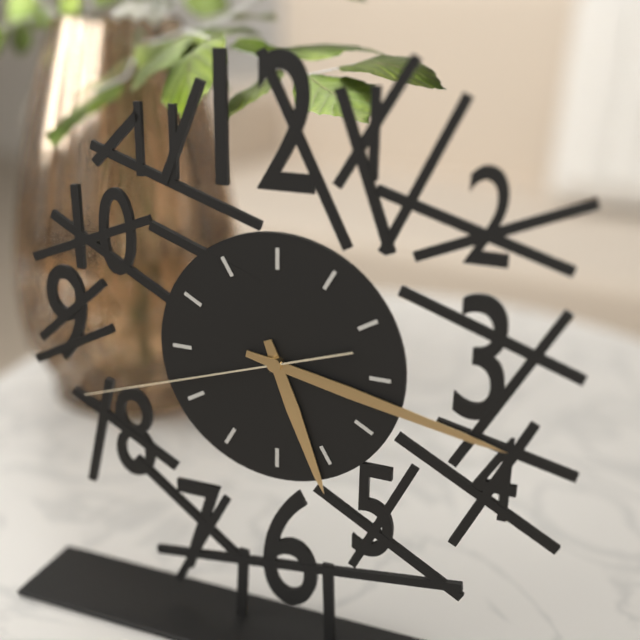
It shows {"hour": 5, "minute": 17, "second": 42}
